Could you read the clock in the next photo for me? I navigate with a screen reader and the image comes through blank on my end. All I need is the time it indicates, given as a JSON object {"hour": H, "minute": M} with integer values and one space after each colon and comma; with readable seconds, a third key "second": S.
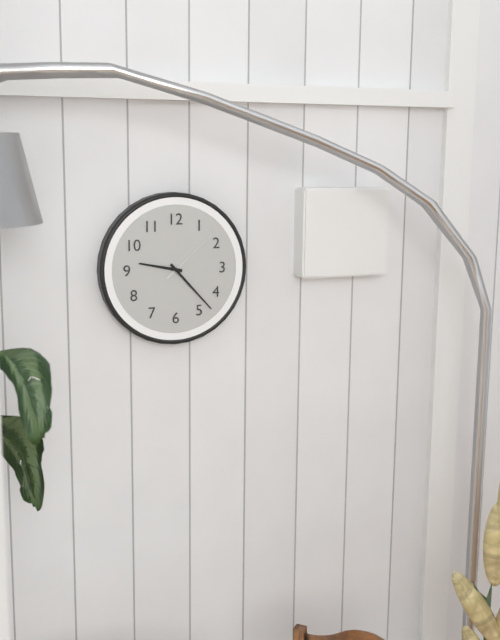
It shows {"hour": 9, "minute": 23, "second": 8}
